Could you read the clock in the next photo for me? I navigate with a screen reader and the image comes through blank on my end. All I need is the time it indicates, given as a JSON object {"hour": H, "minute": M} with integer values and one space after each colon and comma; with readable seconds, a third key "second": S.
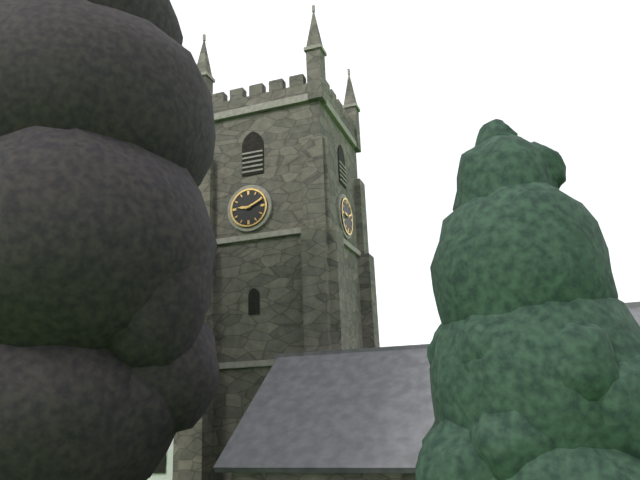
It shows {"hour": 9, "minute": 11}
